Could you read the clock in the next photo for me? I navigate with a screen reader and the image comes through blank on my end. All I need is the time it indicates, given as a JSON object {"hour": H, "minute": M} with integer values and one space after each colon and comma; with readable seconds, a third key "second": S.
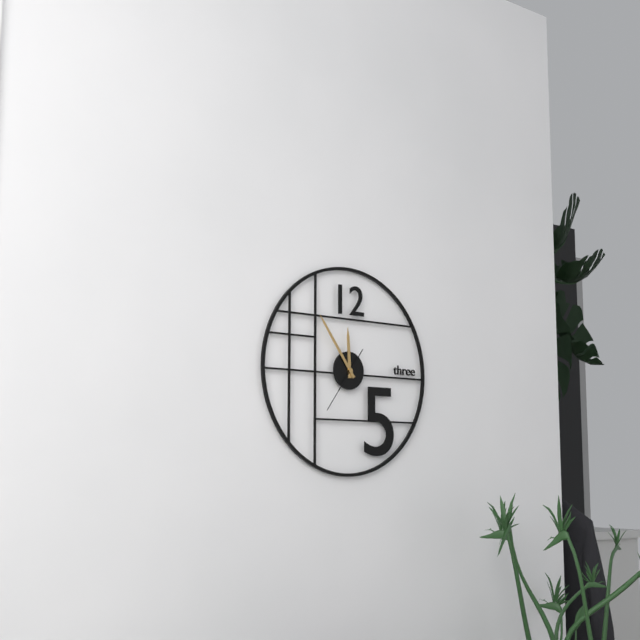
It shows {"hour": 11, "minute": 54, "second": 36}
